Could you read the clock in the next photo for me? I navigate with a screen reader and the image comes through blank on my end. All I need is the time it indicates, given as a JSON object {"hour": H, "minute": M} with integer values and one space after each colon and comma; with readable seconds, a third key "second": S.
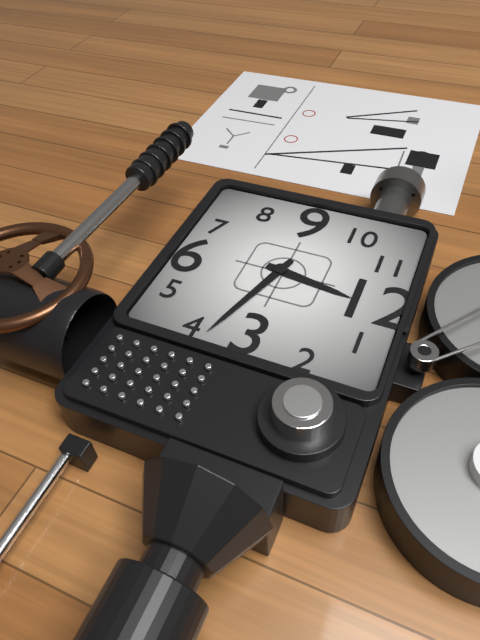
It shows {"hour": 12, "minute": 18}
